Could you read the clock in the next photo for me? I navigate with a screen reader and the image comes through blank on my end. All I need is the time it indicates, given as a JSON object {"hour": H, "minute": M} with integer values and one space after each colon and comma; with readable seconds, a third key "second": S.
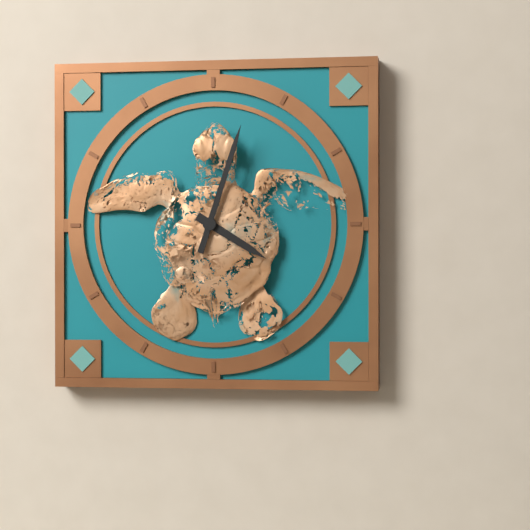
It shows {"hour": 4, "minute": 3}
